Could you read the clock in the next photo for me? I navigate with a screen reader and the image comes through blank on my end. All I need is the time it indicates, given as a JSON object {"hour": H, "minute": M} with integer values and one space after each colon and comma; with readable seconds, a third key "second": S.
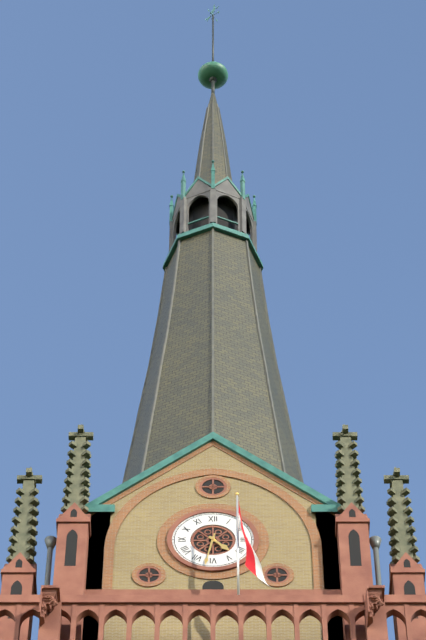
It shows {"hour": 4, "minute": 32}
